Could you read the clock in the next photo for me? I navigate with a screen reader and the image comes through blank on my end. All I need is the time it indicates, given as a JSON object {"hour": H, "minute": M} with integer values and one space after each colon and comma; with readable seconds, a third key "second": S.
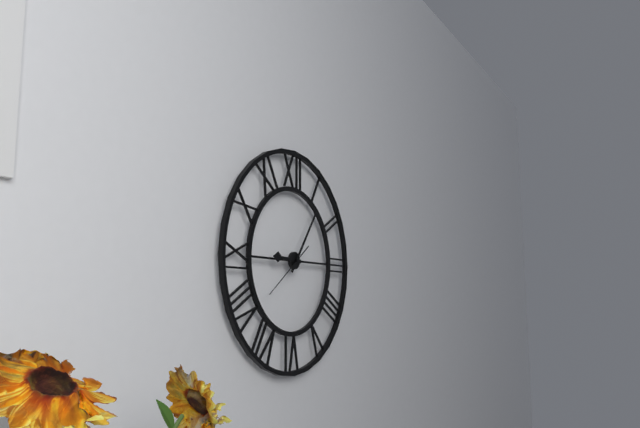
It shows {"hour": 9, "minute": 6}
